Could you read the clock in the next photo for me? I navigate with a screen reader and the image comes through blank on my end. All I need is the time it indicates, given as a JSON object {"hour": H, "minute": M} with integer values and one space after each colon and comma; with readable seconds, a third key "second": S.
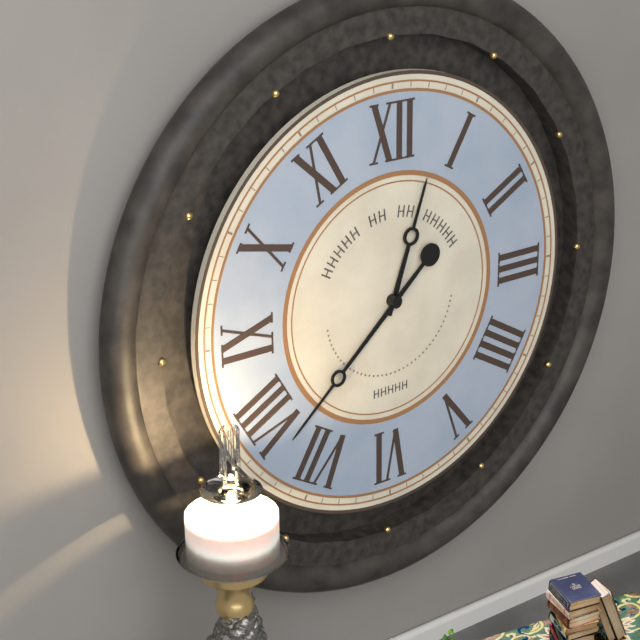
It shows {"hour": 12, "minute": 38}
